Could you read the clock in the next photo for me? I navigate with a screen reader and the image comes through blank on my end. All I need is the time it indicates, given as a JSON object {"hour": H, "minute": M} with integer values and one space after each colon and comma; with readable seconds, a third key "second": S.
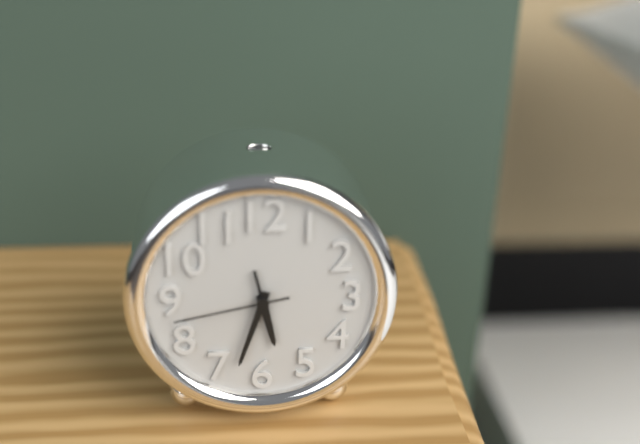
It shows {"hour": 5, "minute": 33, "second": 43}
